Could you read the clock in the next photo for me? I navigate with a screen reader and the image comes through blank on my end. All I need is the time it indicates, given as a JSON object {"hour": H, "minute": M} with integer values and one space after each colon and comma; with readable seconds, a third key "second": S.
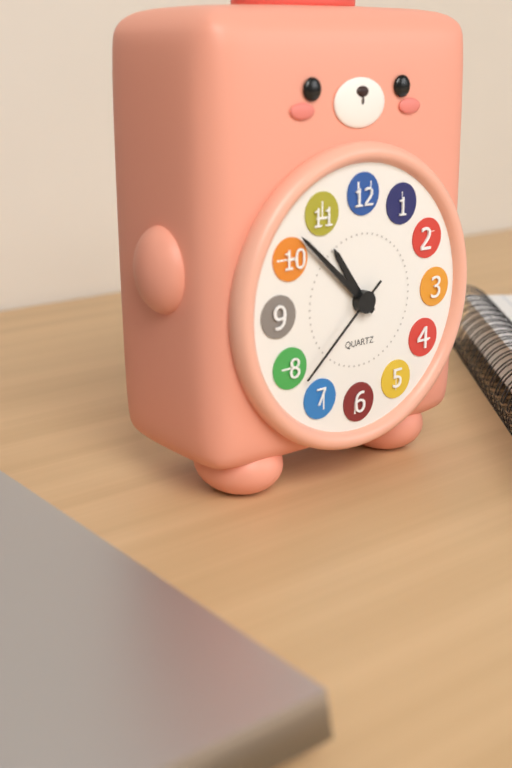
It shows {"hour": 10, "minute": 52, "second": 38}
